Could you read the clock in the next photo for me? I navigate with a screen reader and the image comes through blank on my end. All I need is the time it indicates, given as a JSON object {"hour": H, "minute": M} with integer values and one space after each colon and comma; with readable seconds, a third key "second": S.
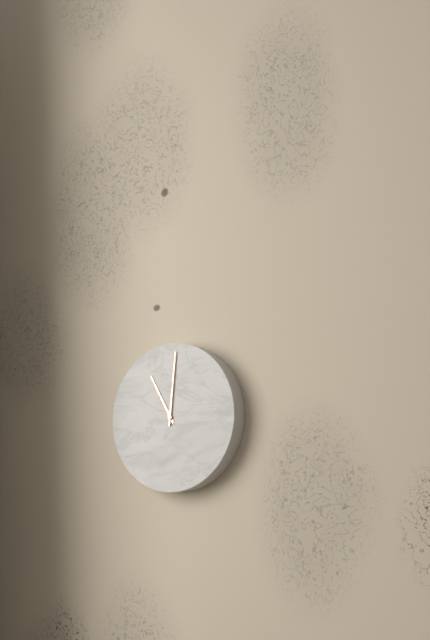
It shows {"hour": 11, "minute": 1}
